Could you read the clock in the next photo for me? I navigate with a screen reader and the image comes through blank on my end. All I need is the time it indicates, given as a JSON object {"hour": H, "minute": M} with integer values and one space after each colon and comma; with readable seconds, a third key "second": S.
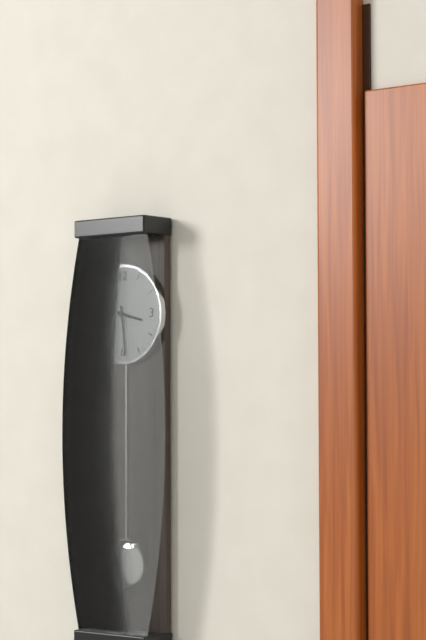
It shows {"hour": 3, "minute": 29}
